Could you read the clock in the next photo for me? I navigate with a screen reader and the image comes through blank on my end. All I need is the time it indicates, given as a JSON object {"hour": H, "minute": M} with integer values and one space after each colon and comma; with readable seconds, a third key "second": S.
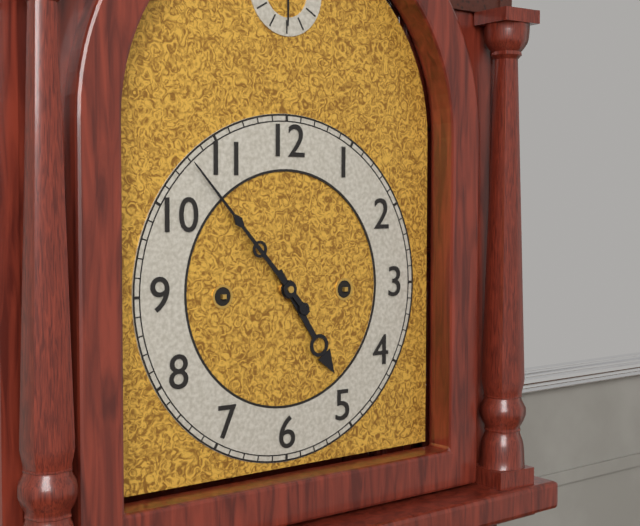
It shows {"hour": 4, "minute": 53}
